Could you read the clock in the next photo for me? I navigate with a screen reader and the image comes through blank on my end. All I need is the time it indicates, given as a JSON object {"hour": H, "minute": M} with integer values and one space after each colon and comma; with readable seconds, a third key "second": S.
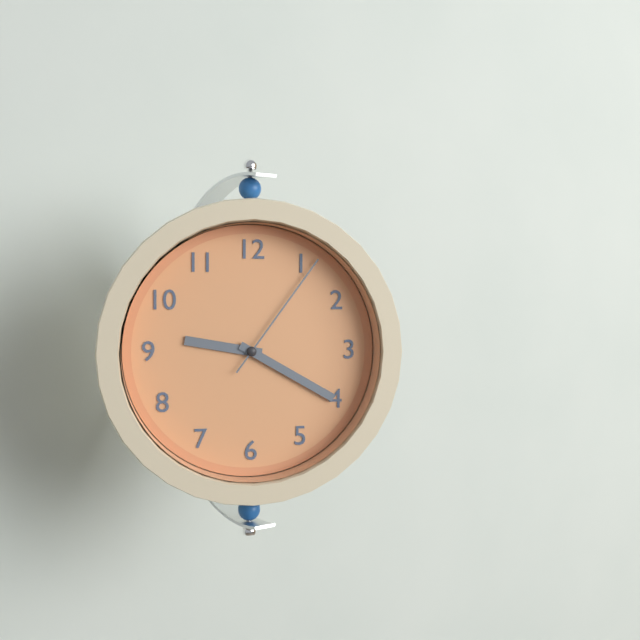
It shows {"hour": 9, "minute": 20, "second": 6}
